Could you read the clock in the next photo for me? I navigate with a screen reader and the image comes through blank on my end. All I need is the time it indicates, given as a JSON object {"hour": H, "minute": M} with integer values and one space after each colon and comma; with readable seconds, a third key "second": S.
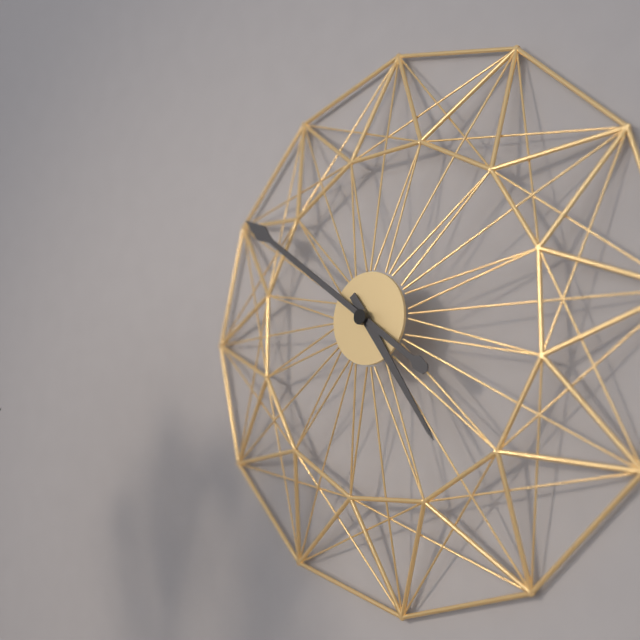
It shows {"hour": 4, "minute": 51}
